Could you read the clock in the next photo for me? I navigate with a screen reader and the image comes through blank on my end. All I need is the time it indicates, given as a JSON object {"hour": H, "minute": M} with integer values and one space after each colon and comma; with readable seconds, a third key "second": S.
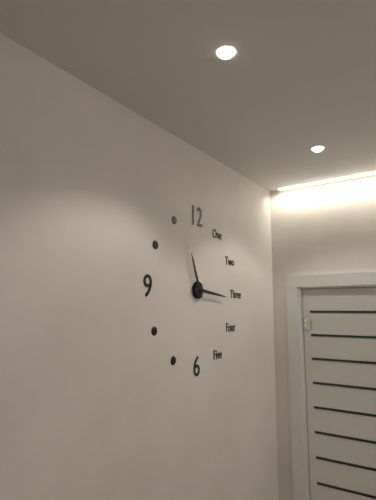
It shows {"hour": 11, "minute": 16}
